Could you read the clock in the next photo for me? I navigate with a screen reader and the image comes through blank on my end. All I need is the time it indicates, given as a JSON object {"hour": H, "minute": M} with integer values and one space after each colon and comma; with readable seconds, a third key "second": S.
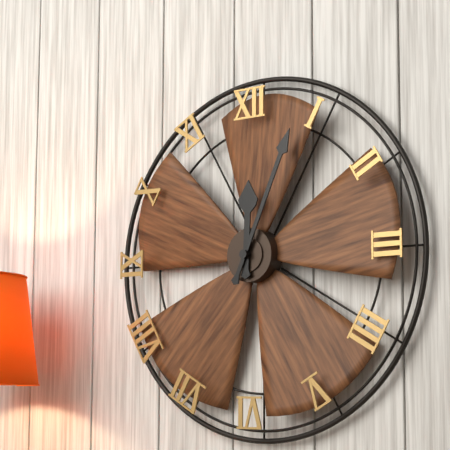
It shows {"hour": 12, "minute": 4}
